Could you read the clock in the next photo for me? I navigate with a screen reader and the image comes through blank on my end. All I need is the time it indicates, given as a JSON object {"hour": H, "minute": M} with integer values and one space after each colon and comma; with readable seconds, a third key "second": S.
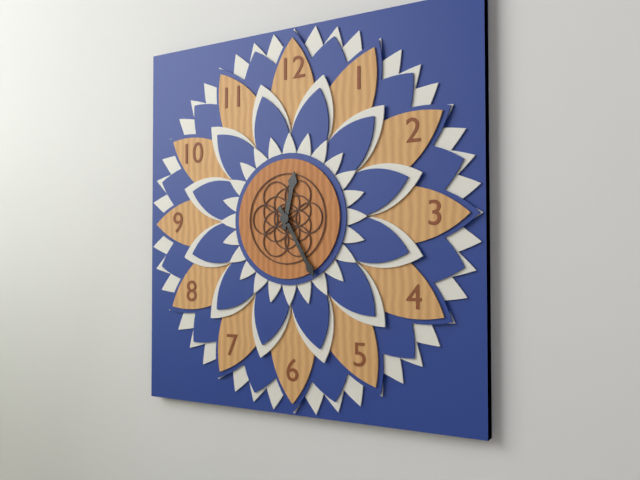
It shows {"hour": 12, "minute": 25}
